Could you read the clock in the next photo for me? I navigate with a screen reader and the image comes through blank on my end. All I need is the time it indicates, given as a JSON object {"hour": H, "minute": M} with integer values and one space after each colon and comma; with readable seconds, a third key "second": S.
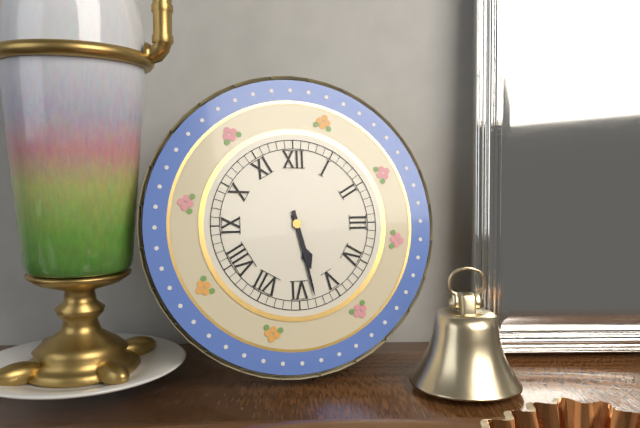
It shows {"hour": 5, "minute": 28}
